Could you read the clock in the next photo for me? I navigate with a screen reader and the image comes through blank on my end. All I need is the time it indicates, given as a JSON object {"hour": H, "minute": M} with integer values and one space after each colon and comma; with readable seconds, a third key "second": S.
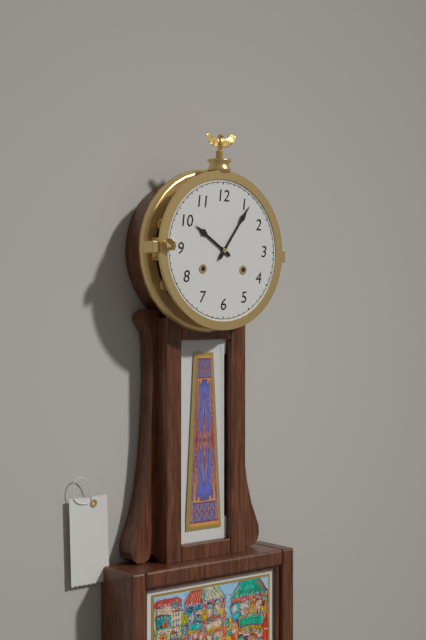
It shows {"hour": 10, "minute": 6}
